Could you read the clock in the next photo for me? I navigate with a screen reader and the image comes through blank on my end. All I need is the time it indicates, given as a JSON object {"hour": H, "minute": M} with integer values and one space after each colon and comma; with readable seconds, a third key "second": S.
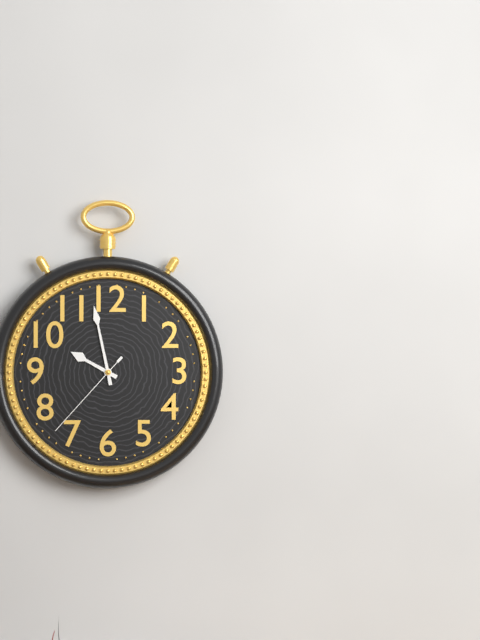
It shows {"hour": 9, "minute": 58, "second": 37}
